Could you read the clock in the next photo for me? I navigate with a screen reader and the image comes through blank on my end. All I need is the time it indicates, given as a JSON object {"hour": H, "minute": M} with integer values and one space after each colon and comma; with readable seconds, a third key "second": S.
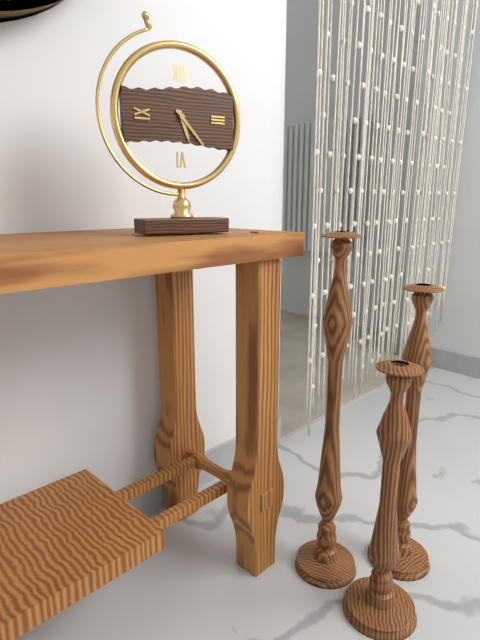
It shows {"hour": 5, "minute": 23}
